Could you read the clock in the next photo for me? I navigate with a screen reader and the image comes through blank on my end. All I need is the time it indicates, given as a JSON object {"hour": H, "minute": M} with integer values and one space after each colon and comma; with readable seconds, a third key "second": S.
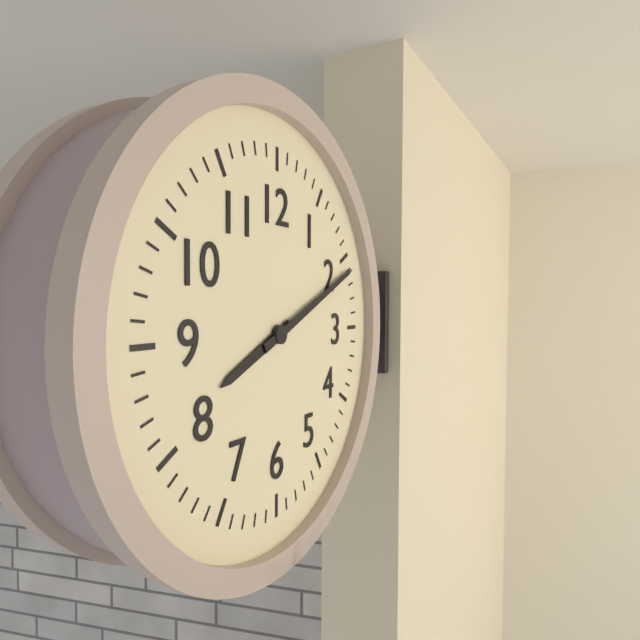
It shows {"hour": 8, "minute": 11}
